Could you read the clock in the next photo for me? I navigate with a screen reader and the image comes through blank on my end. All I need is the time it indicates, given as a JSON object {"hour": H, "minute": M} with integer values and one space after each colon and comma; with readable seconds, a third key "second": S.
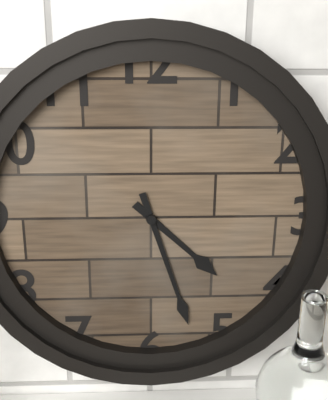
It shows {"hour": 4, "minute": 27}
